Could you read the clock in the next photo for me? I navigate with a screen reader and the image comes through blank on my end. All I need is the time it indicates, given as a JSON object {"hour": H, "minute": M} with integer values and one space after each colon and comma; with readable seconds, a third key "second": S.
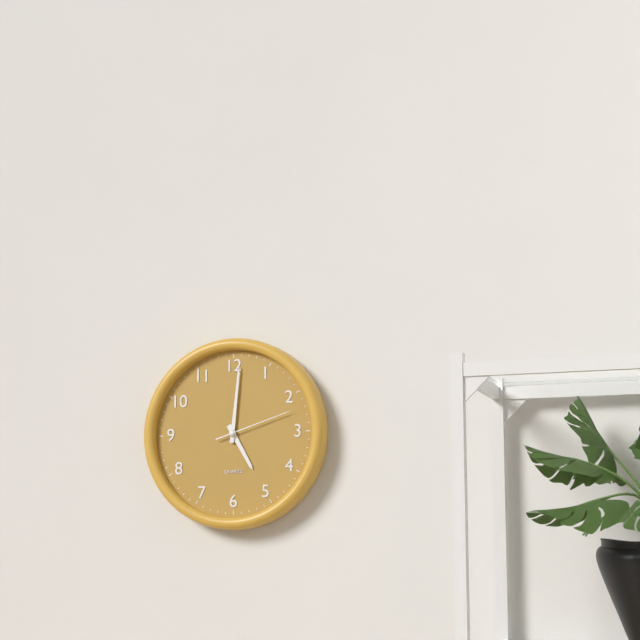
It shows {"hour": 5, "minute": 1, "second": 12}
